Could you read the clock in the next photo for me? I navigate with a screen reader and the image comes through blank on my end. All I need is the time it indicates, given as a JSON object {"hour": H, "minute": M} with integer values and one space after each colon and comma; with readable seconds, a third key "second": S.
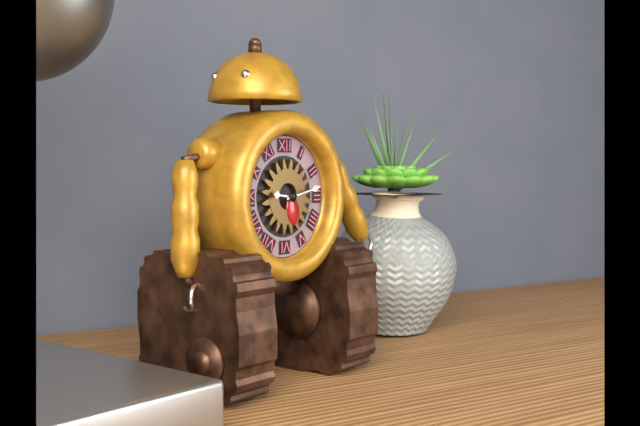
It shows {"hour": 9, "minute": 13}
